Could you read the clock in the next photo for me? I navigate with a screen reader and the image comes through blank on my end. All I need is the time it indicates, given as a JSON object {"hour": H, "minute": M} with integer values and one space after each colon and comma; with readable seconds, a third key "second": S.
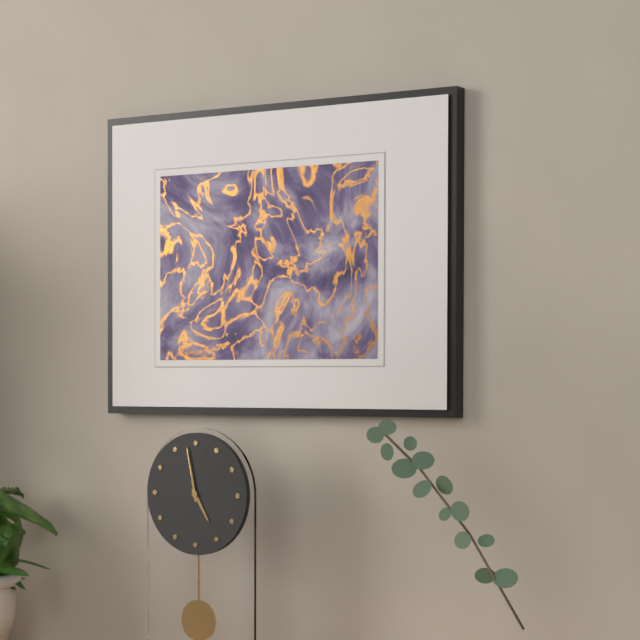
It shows {"hour": 4, "minute": 58}
